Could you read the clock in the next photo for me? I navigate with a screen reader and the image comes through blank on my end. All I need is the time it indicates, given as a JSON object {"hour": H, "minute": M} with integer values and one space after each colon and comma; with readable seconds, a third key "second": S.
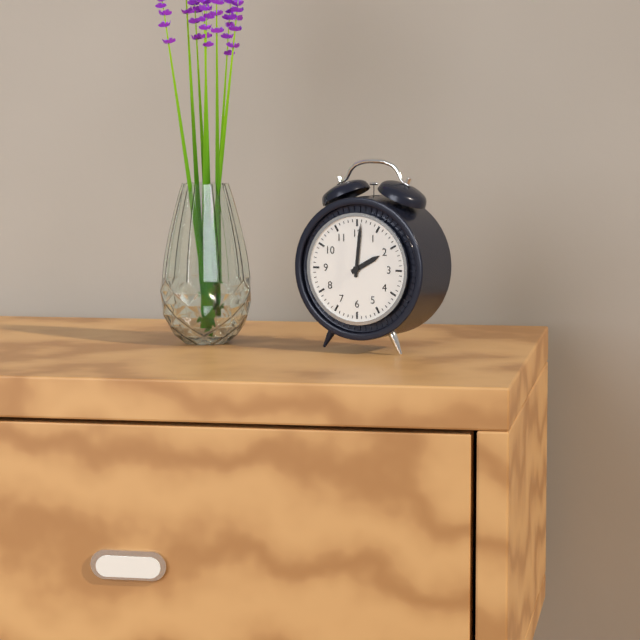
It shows {"hour": 2, "minute": 1}
